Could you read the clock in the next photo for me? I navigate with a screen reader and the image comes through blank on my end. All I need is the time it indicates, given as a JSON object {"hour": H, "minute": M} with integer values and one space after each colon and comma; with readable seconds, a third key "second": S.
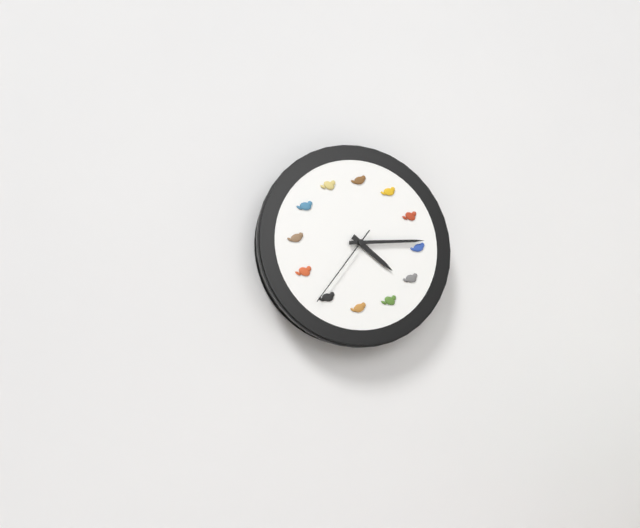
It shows {"hour": 4, "minute": 14, "second": 36}
